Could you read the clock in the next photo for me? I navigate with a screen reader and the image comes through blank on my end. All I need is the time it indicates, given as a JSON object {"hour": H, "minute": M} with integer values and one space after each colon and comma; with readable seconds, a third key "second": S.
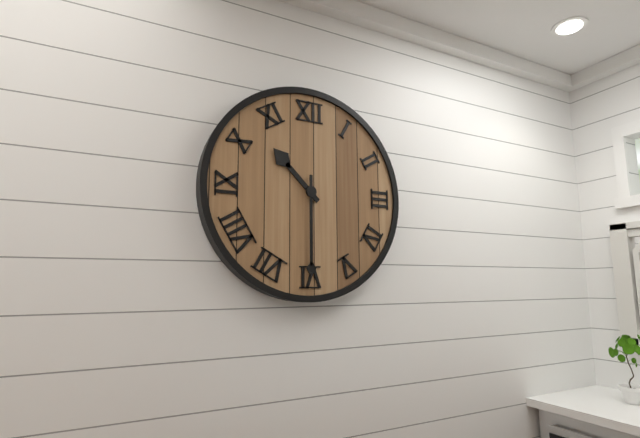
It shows {"hour": 10, "minute": 30}
